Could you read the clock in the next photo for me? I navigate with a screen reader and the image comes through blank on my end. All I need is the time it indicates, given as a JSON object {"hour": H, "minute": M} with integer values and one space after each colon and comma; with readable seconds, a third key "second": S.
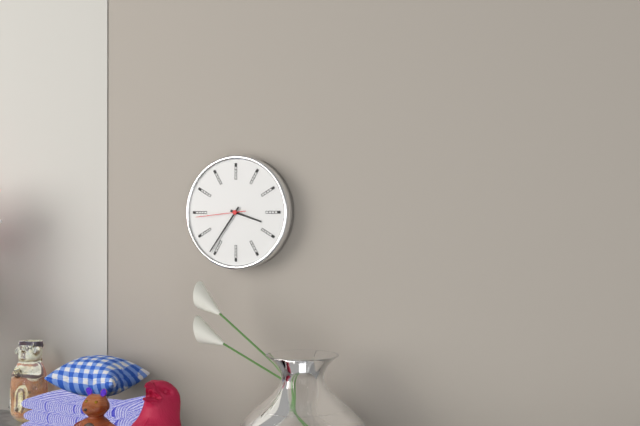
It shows {"hour": 3, "minute": 36}
